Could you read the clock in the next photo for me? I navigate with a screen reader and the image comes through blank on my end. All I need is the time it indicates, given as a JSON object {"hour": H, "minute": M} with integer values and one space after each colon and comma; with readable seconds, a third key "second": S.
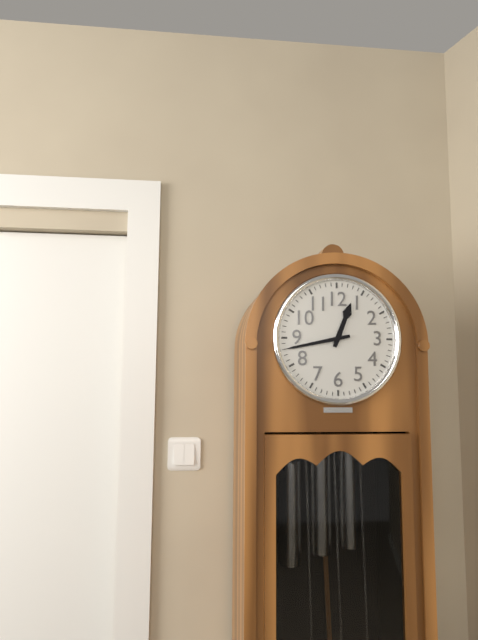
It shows {"hour": 12, "minute": 43}
